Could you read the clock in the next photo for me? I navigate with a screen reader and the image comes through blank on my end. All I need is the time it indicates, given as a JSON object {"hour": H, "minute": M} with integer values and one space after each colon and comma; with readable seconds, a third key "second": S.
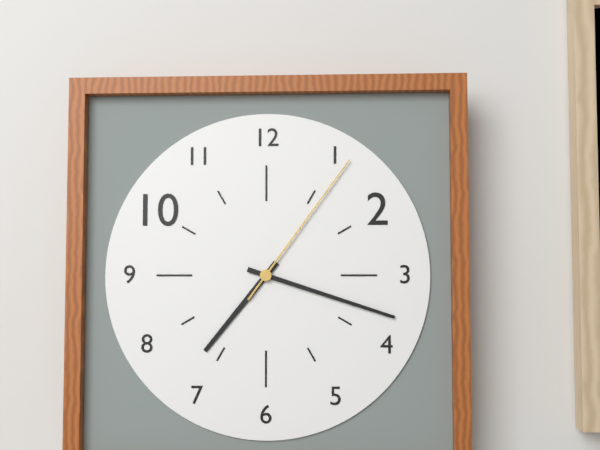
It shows {"hour": 7, "minute": 18, "second": 6}
